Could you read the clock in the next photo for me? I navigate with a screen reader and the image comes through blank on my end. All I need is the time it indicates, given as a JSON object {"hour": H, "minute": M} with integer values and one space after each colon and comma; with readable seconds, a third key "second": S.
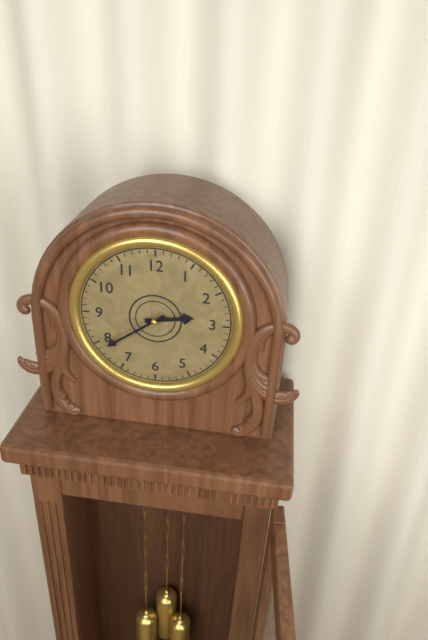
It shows {"hour": 2, "minute": 39}
